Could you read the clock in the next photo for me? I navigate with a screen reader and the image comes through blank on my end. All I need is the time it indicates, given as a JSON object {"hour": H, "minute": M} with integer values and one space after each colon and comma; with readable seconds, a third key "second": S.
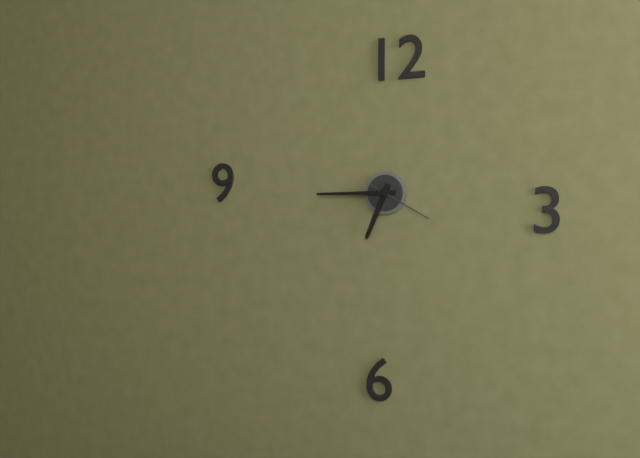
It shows {"hour": 6, "minute": 45, "second": 20}
